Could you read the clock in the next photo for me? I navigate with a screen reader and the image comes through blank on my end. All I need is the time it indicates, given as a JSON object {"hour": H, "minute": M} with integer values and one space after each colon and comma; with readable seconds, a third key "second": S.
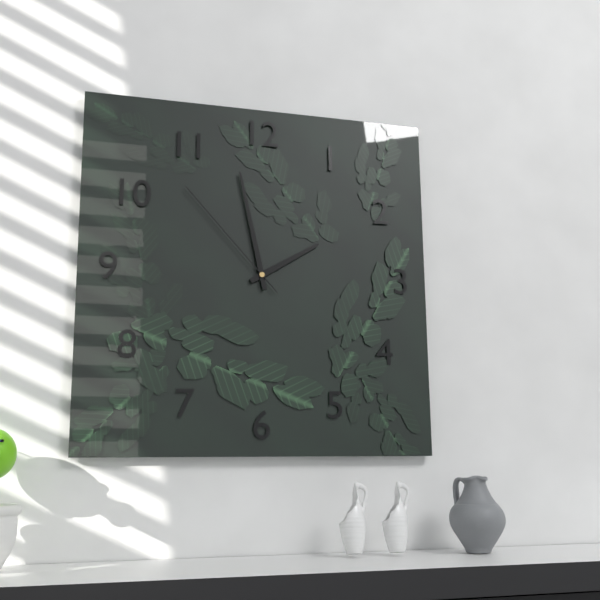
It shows {"hour": 1, "minute": 58, "second": 53}
